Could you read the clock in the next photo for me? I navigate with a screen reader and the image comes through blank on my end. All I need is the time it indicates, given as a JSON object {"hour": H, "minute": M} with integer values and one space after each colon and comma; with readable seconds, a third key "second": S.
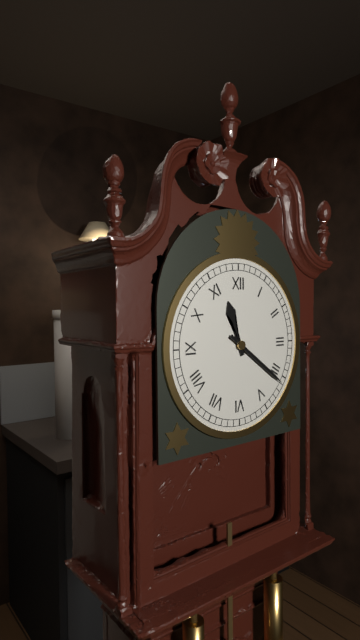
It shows {"hour": 11, "minute": 21}
